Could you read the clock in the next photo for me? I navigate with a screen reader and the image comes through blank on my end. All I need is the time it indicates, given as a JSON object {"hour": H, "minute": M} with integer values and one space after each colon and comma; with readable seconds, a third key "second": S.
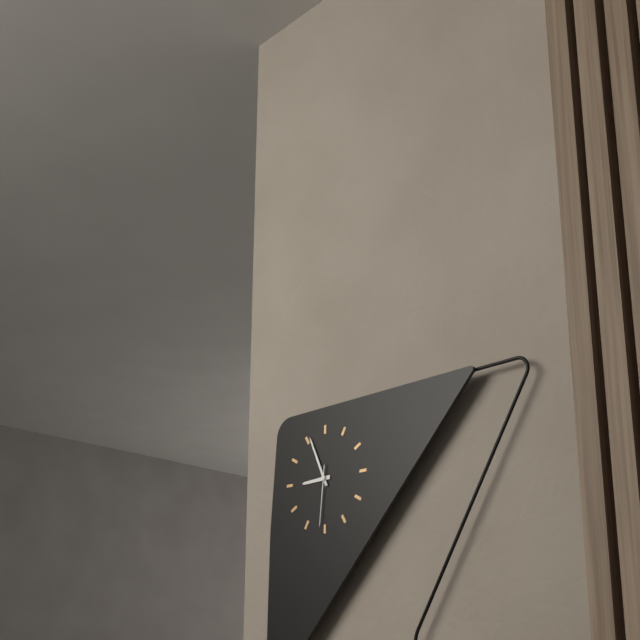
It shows {"hour": 8, "minute": 56, "second": 31}
